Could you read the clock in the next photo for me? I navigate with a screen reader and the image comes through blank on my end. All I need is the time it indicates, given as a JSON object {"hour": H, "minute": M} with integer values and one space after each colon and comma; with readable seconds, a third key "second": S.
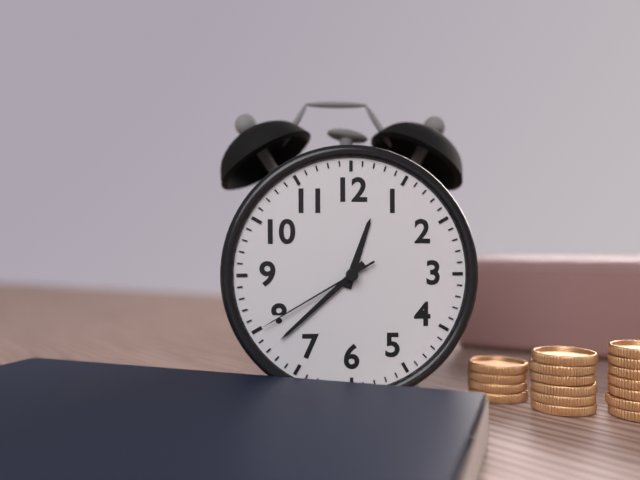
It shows {"hour": 12, "minute": 38, "second": 40}
